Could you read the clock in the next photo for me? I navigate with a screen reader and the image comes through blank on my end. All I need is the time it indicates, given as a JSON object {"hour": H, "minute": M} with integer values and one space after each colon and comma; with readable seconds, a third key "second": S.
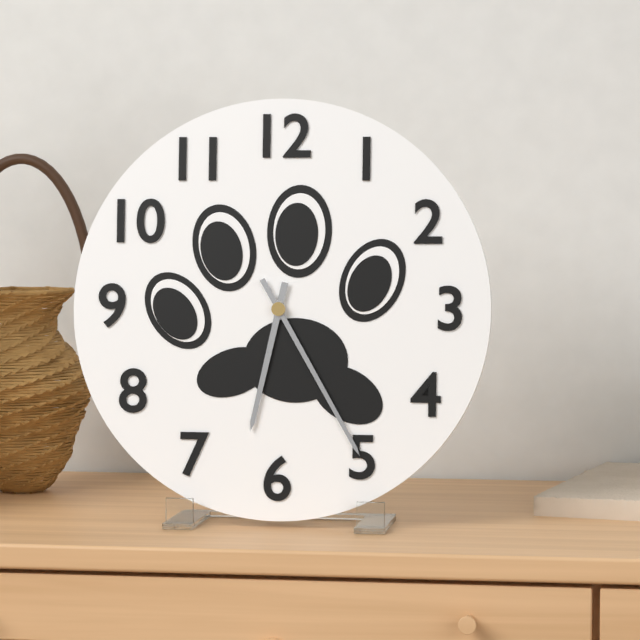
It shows {"hour": 6, "minute": 25}
